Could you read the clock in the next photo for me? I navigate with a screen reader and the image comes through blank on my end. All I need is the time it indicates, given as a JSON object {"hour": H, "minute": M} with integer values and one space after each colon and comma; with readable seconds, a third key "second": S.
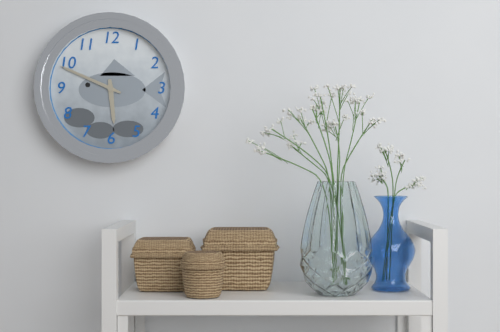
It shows {"hour": 5, "minute": 49}
